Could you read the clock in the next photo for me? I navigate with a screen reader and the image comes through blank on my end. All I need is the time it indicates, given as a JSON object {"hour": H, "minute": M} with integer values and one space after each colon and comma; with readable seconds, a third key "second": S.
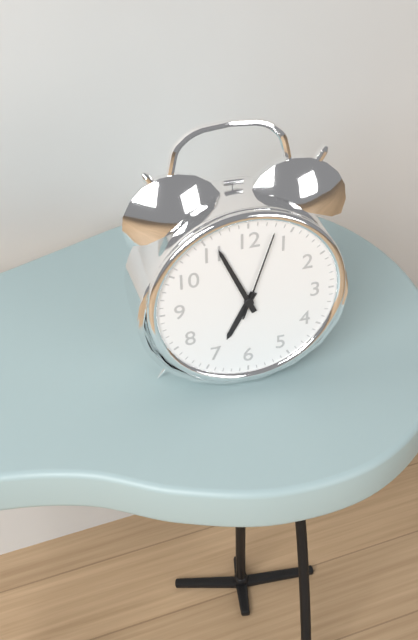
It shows {"hour": 6, "minute": 56, "second": 3}
